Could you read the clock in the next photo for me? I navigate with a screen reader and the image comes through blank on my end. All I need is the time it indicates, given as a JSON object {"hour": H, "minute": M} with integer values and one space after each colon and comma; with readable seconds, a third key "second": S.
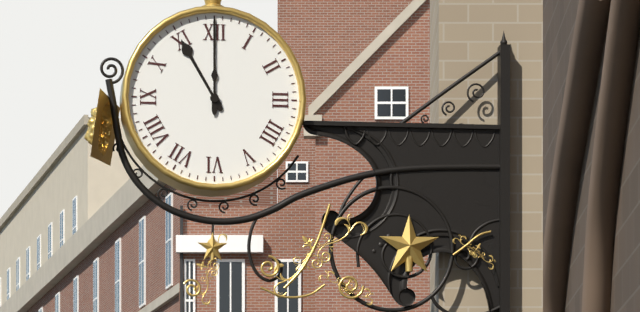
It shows {"hour": 11, "minute": 0}
